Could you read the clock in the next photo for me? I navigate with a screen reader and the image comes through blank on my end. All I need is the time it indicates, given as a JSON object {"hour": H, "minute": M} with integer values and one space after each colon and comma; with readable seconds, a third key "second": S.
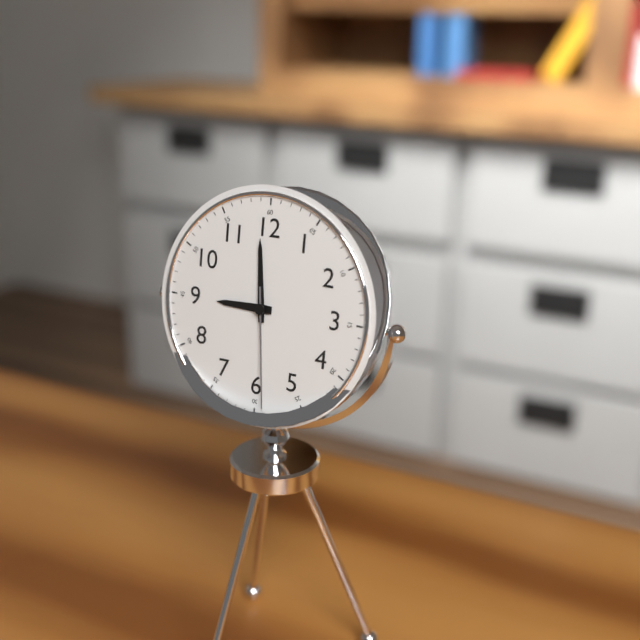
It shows {"hour": 8, "minute": 59, "second": 29}
